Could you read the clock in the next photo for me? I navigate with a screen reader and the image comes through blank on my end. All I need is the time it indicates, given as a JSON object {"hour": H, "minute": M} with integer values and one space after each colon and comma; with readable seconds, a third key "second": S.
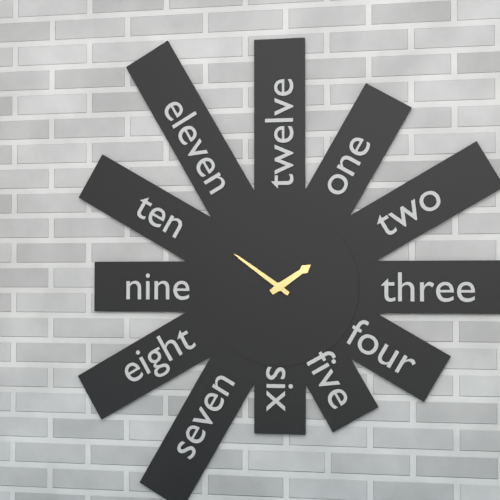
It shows {"hour": 1, "minute": 51}
